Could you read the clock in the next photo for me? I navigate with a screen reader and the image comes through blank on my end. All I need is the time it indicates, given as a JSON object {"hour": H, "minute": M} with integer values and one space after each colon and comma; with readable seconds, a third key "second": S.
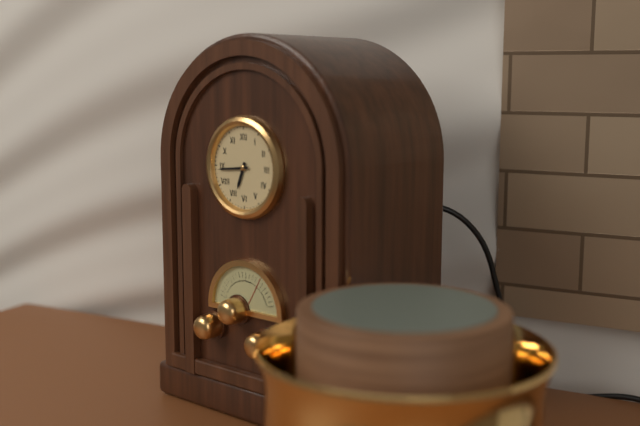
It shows {"hour": 6, "minute": 44}
